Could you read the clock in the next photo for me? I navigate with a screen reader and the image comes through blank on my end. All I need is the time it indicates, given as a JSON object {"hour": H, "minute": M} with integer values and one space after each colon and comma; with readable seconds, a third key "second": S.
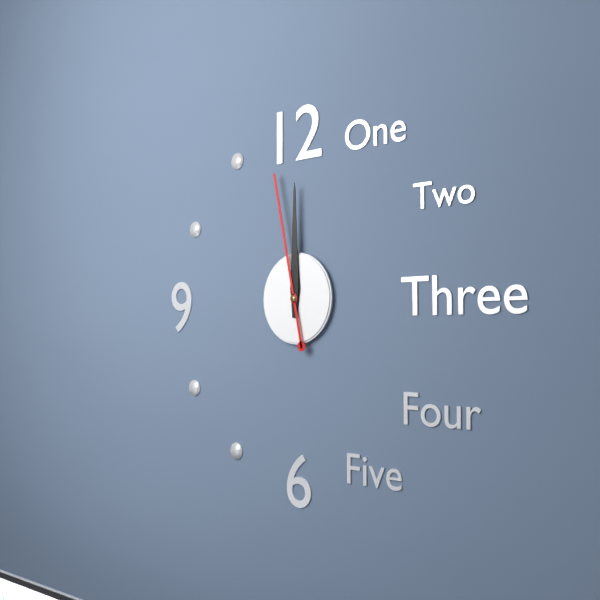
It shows {"hour": 12, "minute": 0, "second": 58}
